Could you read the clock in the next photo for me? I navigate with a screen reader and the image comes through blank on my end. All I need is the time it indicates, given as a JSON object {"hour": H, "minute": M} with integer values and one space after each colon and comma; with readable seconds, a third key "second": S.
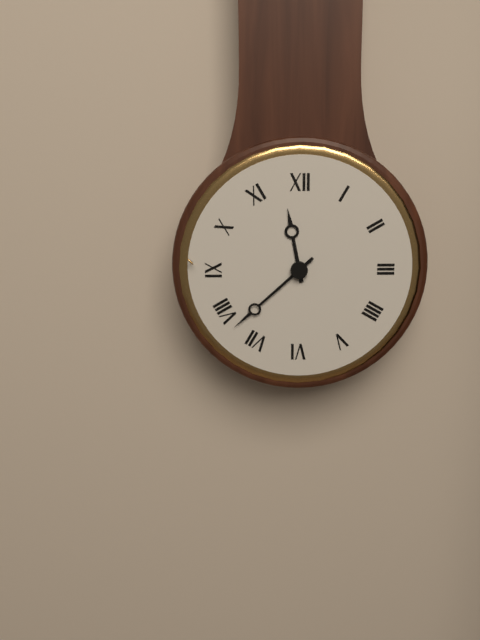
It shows {"hour": 11, "minute": 38}
